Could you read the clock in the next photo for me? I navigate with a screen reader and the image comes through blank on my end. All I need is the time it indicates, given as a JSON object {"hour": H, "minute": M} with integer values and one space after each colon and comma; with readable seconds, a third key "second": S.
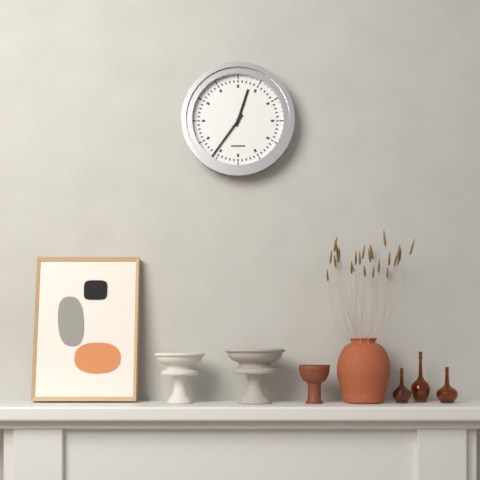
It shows {"hour": 12, "minute": 36}
